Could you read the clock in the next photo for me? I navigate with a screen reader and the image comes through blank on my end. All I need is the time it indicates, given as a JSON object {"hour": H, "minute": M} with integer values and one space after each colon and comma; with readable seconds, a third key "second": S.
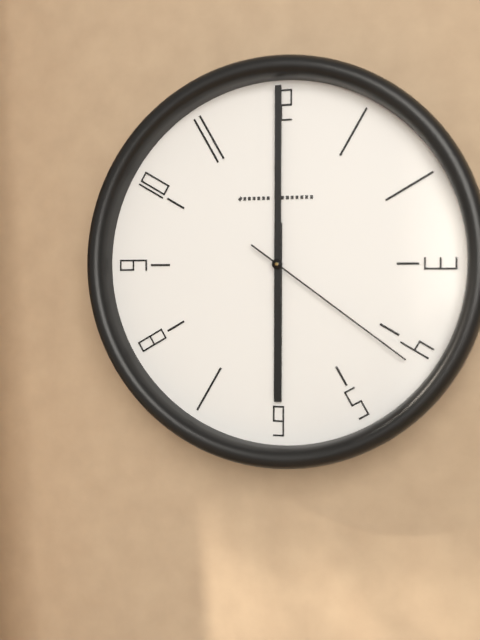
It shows {"hour": 6, "minute": 0, "second": 21}
